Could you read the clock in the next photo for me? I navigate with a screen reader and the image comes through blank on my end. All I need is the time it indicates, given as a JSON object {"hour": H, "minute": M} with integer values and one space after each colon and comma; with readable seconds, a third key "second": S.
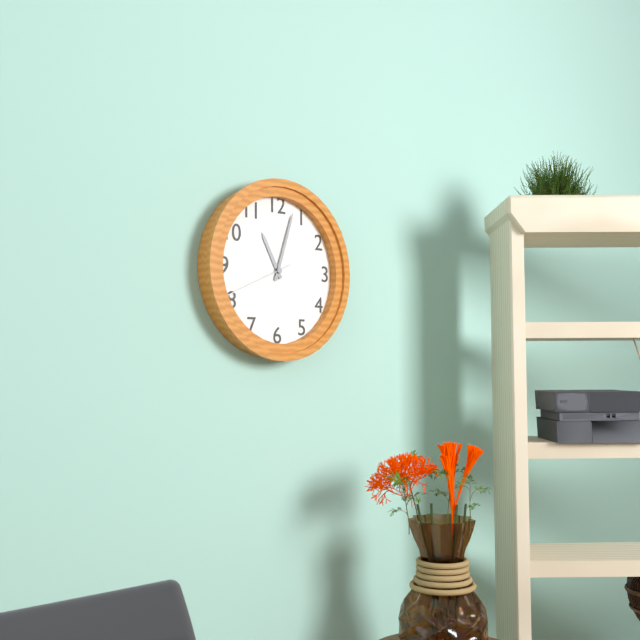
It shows {"hour": 11, "minute": 3, "second": 41}
